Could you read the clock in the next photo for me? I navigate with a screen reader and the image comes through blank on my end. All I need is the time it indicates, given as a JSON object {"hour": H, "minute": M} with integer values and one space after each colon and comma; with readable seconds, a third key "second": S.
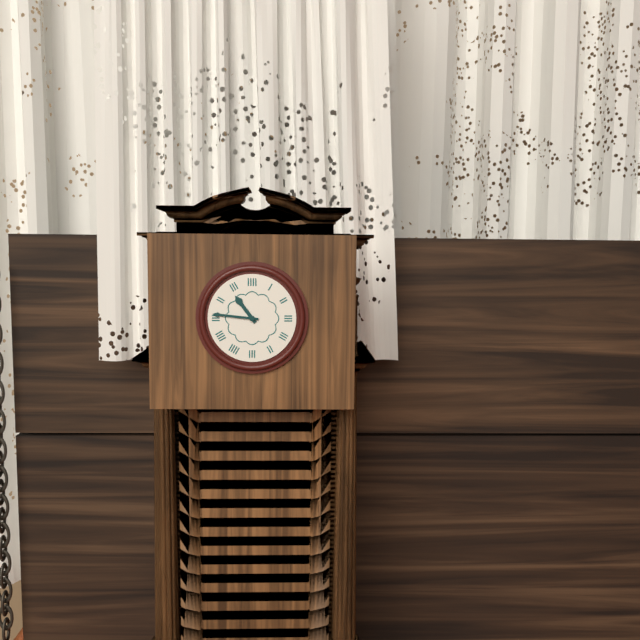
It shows {"hour": 10, "minute": 46}
